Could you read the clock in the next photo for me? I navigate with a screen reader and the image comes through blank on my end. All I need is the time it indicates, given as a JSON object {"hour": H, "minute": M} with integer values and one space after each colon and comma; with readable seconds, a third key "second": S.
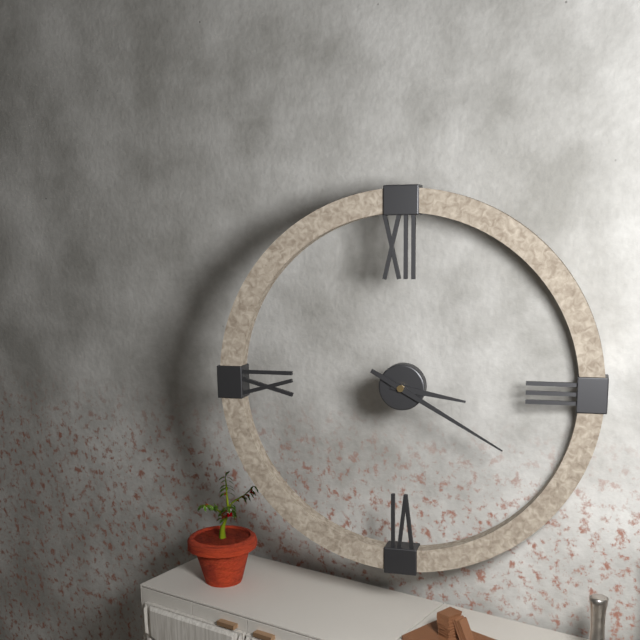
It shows {"hour": 3, "minute": 20}
